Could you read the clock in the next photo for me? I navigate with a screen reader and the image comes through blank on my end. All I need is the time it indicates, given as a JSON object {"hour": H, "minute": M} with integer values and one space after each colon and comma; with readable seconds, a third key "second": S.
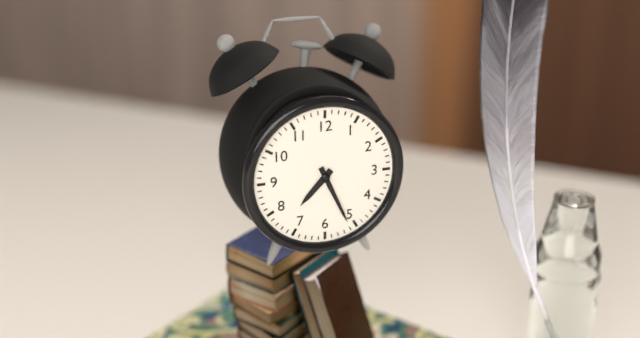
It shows {"hour": 7, "minute": 26}
